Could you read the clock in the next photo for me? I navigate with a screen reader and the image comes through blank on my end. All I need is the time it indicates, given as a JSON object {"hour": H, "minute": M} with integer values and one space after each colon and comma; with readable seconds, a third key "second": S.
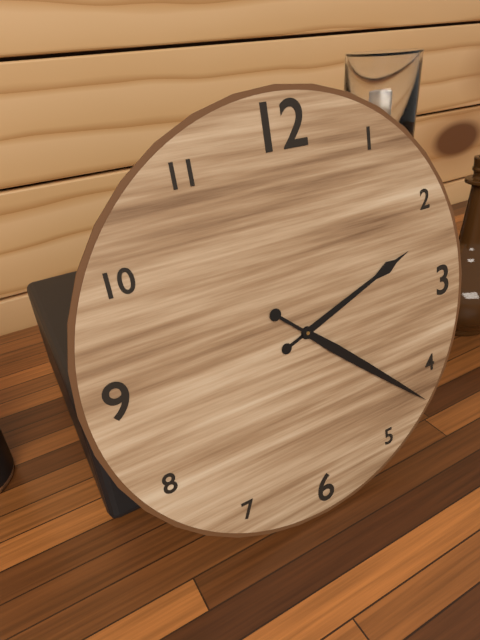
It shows {"hour": 2, "minute": 22}
